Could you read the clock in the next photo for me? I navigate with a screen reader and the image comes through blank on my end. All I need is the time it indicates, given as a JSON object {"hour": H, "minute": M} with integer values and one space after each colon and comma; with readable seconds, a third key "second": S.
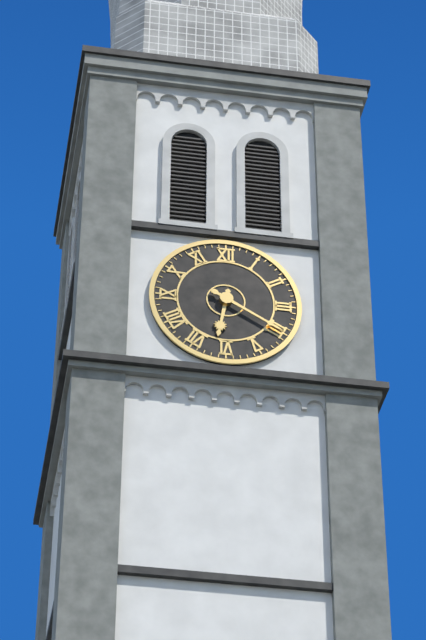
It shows {"hour": 6, "minute": 20}
